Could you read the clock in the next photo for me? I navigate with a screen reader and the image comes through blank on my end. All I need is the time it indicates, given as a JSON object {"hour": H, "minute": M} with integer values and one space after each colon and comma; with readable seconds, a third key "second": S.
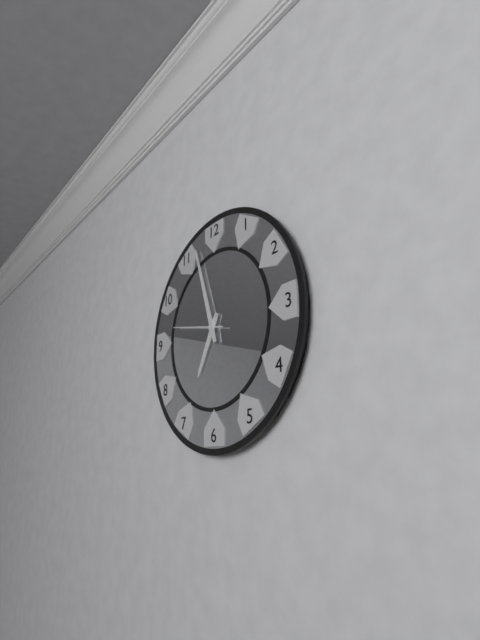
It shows {"hour": 6, "minute": 57}
